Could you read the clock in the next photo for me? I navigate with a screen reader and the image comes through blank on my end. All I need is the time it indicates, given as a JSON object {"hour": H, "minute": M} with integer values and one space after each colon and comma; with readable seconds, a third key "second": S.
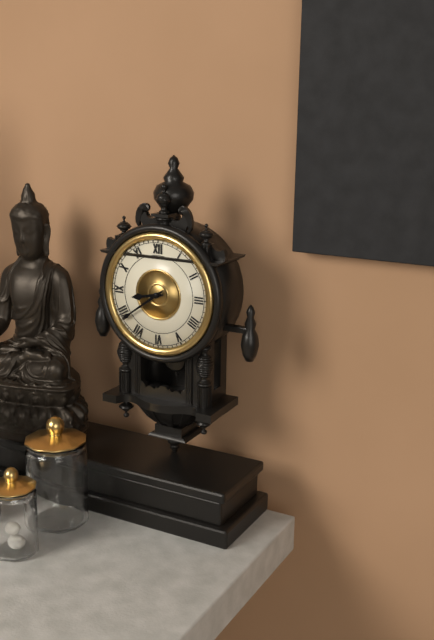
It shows {"hour": 8, "minute": 39}
